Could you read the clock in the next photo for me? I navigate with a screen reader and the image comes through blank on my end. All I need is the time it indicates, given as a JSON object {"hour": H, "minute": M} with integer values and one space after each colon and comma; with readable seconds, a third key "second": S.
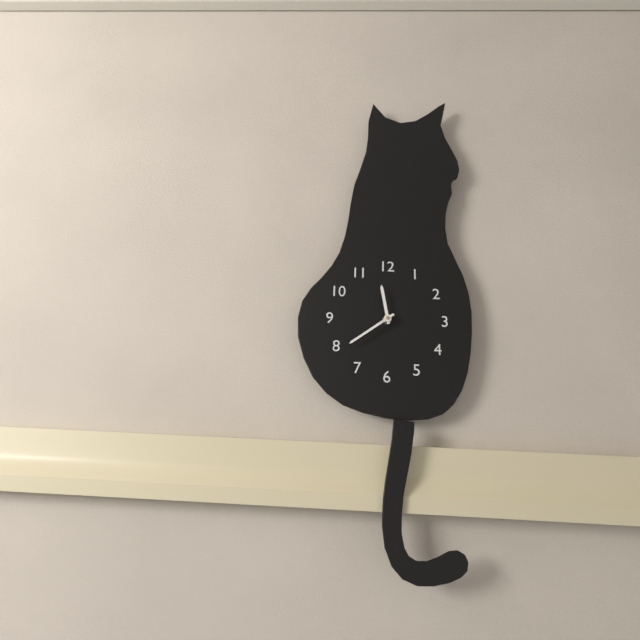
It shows {"hour": 11, "minute": 39}
